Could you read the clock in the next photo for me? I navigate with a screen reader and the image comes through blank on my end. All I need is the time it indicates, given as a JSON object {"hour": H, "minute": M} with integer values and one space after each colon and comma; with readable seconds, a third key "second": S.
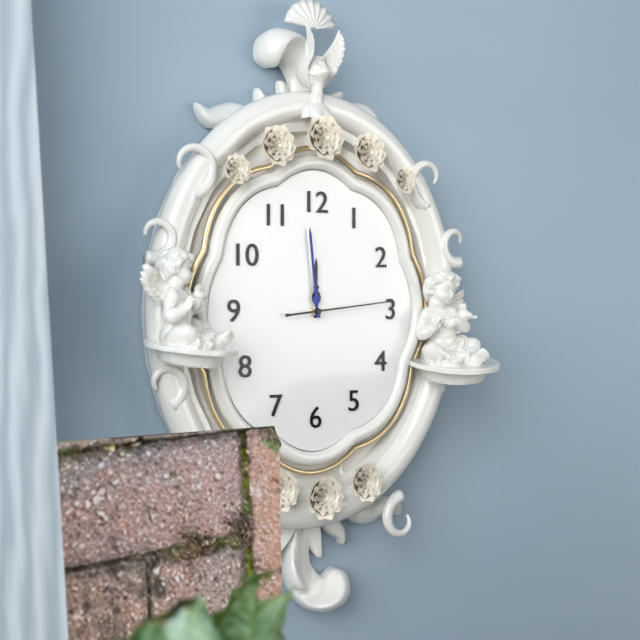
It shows {"hour": 11, "minute": 59, "second": 14}
